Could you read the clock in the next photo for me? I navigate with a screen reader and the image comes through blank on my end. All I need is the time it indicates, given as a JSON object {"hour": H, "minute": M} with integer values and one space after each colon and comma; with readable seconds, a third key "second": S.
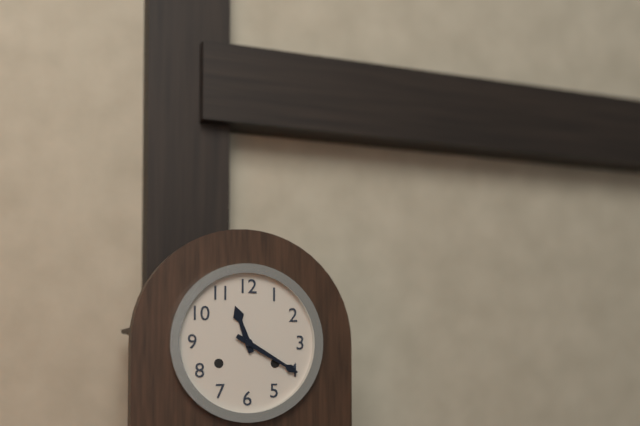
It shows {"hour": 11, "minute": 20}
